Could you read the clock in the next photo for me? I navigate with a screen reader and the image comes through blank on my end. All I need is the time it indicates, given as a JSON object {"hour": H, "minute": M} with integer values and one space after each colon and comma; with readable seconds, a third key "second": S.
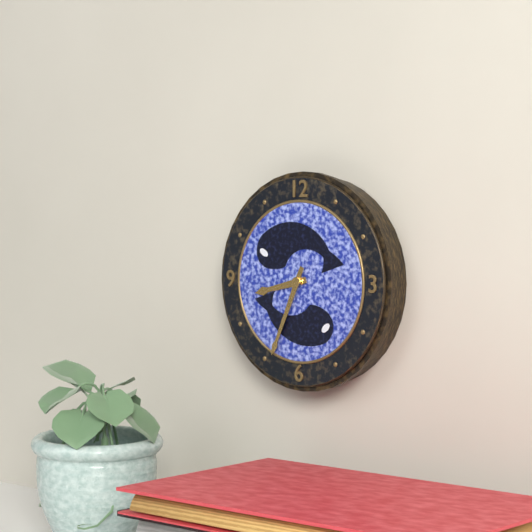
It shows {"hour": 8, "minute": 34}
